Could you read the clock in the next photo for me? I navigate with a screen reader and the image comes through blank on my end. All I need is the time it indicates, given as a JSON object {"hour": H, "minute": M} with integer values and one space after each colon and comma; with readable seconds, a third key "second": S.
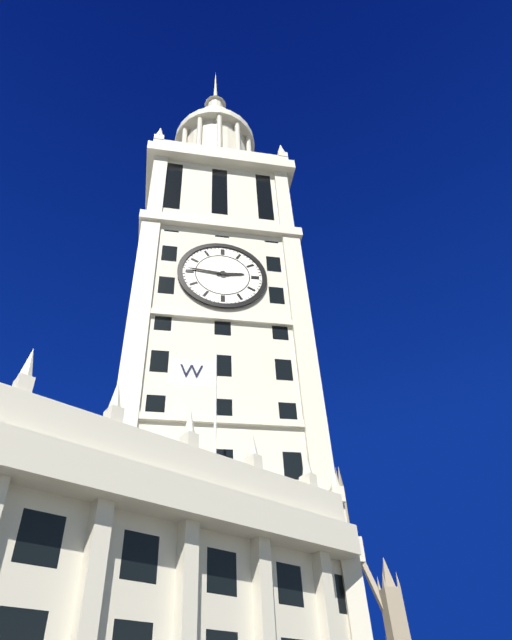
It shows {"hour": 2, "minute": 46}
